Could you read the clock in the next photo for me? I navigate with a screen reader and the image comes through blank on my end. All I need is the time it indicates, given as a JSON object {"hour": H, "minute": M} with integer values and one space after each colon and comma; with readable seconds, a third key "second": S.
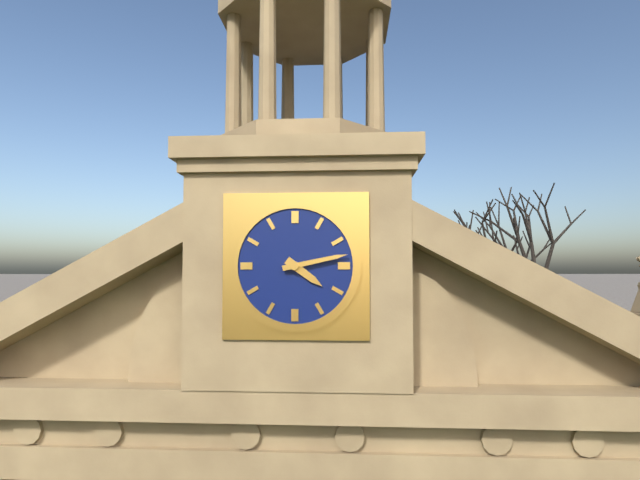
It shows {"hour": 4, "minute": 13}
